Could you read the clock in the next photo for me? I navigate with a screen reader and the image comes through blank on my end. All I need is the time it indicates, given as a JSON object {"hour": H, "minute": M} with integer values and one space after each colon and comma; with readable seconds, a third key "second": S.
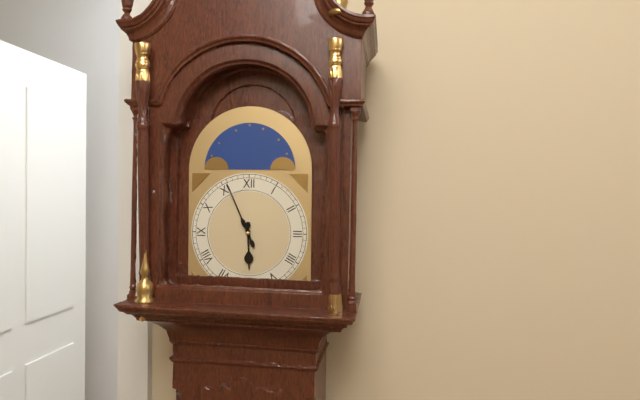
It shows {"hour": 5, "minute": 56}
